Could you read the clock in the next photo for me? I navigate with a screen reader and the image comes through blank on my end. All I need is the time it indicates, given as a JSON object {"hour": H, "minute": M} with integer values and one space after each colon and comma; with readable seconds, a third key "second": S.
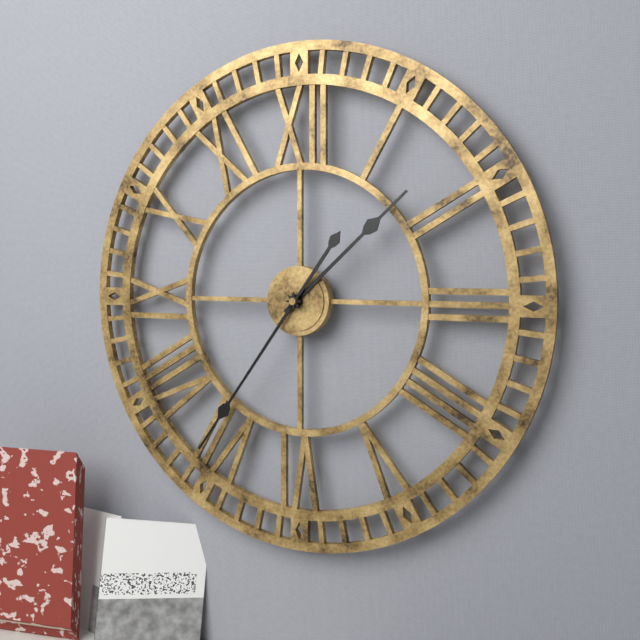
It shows {"hour": 1, "minute": 36}
